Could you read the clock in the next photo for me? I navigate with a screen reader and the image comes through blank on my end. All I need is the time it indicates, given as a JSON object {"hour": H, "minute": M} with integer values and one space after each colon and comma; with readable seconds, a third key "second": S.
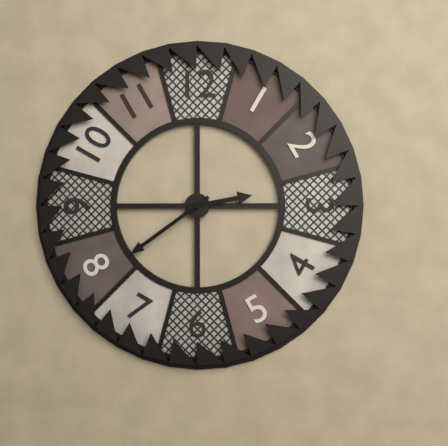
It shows {"hour": 2, "minute": 39}
